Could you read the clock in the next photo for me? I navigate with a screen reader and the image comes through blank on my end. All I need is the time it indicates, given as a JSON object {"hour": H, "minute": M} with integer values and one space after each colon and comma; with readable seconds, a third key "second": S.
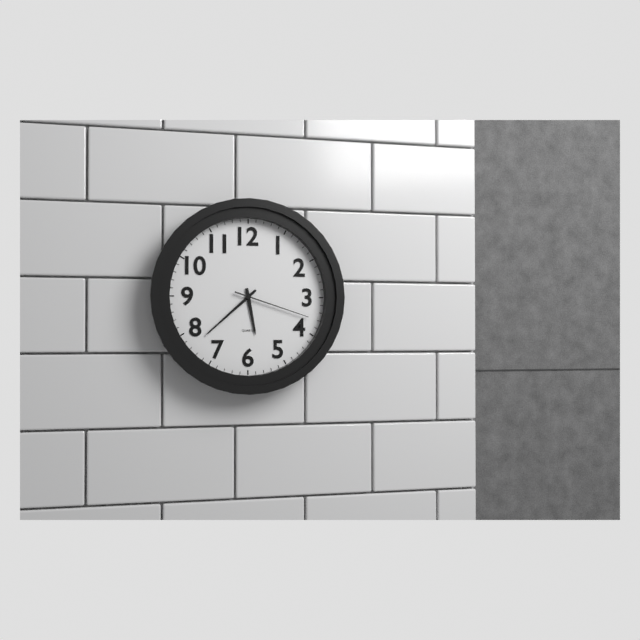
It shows {"hour": 5, "minute": 38, "second": 18}
